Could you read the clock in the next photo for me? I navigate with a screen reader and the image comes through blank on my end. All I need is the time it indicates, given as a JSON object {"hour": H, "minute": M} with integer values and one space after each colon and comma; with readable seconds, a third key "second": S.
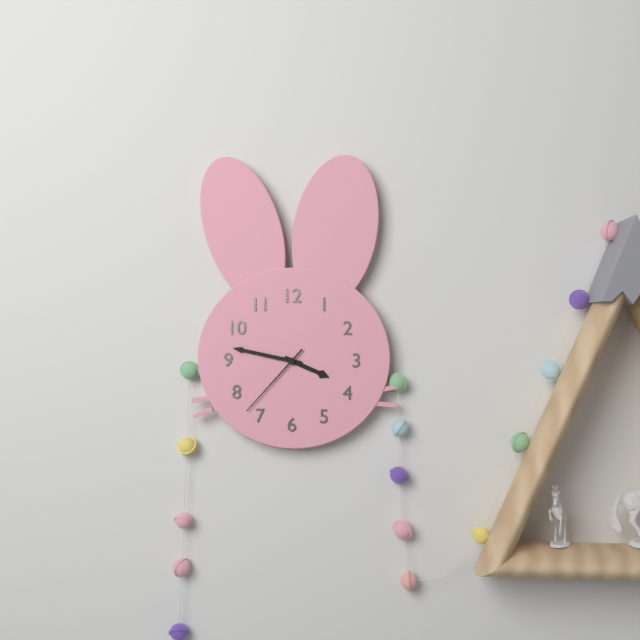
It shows {"hour": 3, "minute": 47, "second": 37}
